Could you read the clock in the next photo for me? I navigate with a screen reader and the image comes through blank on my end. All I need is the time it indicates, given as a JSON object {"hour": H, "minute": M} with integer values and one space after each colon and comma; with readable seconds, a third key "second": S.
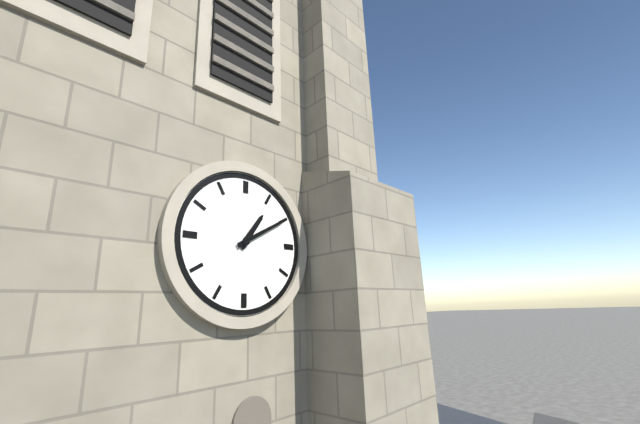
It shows {"hour": 1, "minute": 10}
